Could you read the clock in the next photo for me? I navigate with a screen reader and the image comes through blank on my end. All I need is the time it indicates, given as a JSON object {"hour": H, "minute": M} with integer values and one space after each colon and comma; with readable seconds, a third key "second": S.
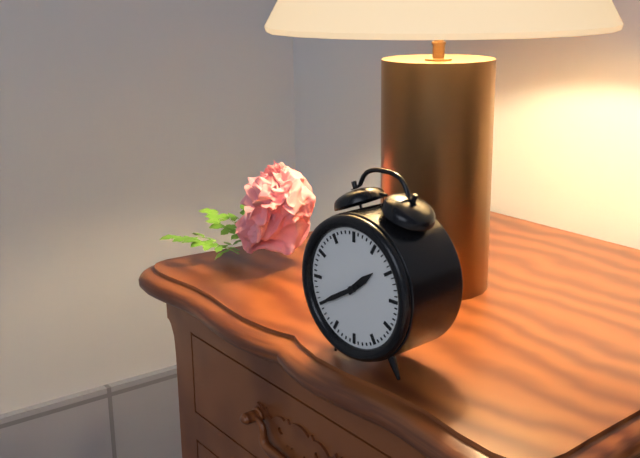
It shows {"hour": 1, "minute": 40}
